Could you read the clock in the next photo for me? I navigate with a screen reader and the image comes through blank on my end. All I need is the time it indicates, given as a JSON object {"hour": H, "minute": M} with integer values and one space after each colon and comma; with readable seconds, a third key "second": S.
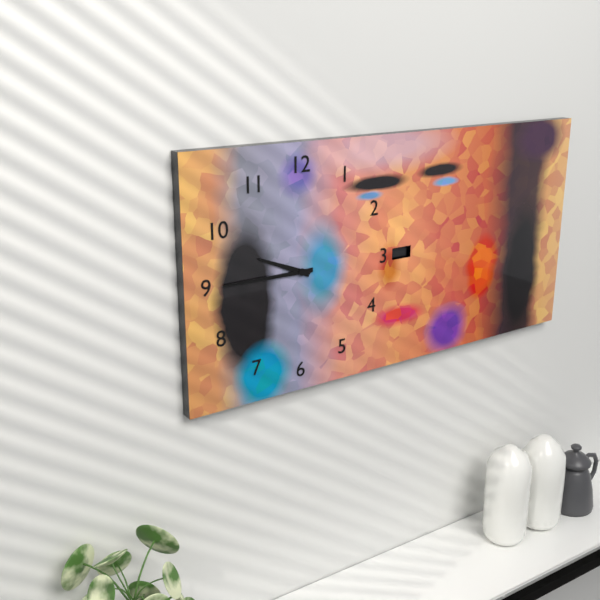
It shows {"hour": 9, "minute": 45}
